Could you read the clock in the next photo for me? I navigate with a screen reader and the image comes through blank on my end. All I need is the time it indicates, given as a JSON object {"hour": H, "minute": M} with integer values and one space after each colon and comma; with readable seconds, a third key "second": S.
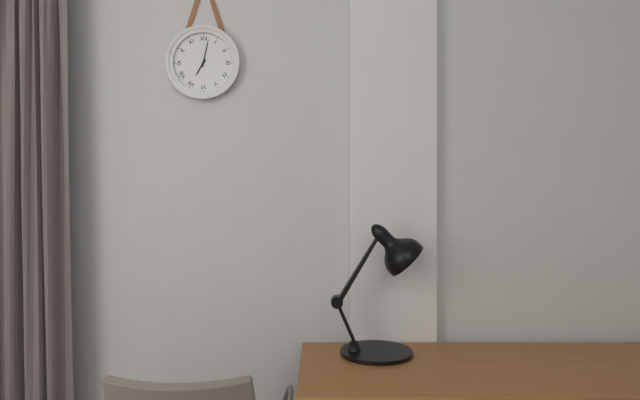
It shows {"hour": 7, "minute": 2}
